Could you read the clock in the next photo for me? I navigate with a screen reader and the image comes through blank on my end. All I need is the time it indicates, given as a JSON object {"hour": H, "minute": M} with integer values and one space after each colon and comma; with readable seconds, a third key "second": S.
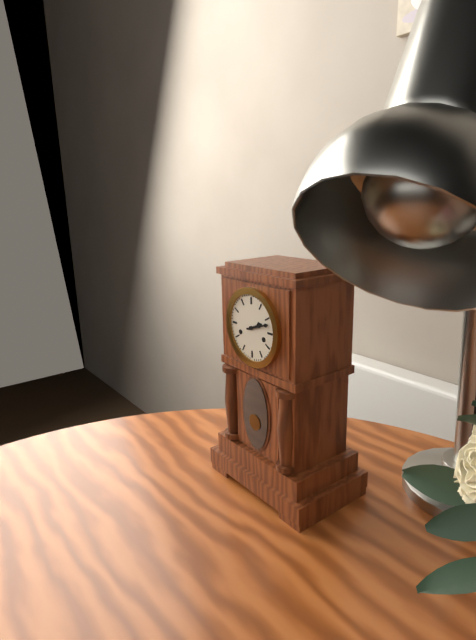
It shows {"hour": 2, "minute": 12}
